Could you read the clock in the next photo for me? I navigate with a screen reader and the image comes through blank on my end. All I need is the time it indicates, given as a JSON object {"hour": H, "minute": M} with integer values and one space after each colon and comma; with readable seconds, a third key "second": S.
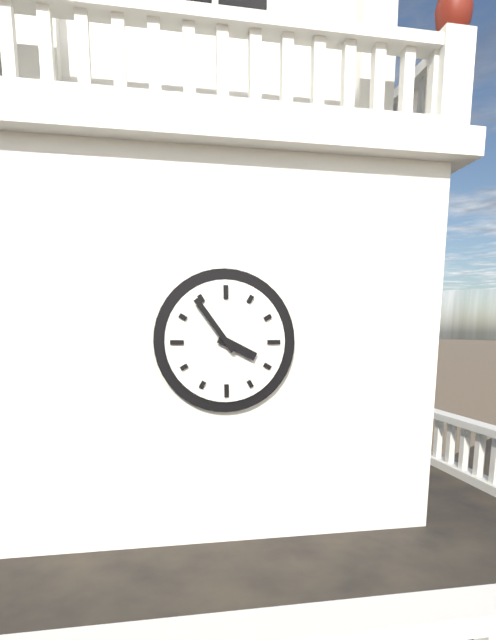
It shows {"hour": 3, "minute": 54}
